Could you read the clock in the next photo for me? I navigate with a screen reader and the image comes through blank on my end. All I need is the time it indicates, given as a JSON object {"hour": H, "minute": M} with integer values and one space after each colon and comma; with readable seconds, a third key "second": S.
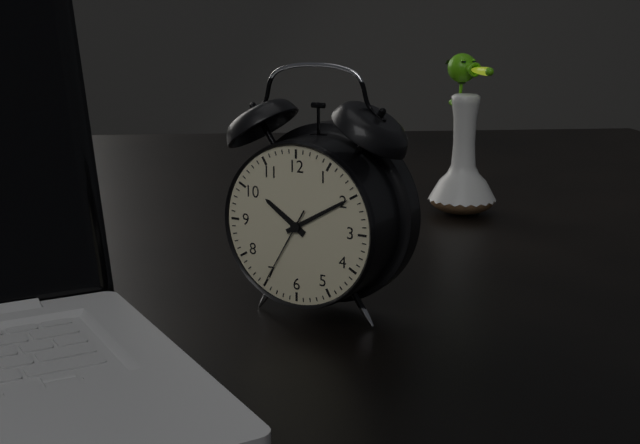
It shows {"hour": 10, "minute": 10, "second": 35}
